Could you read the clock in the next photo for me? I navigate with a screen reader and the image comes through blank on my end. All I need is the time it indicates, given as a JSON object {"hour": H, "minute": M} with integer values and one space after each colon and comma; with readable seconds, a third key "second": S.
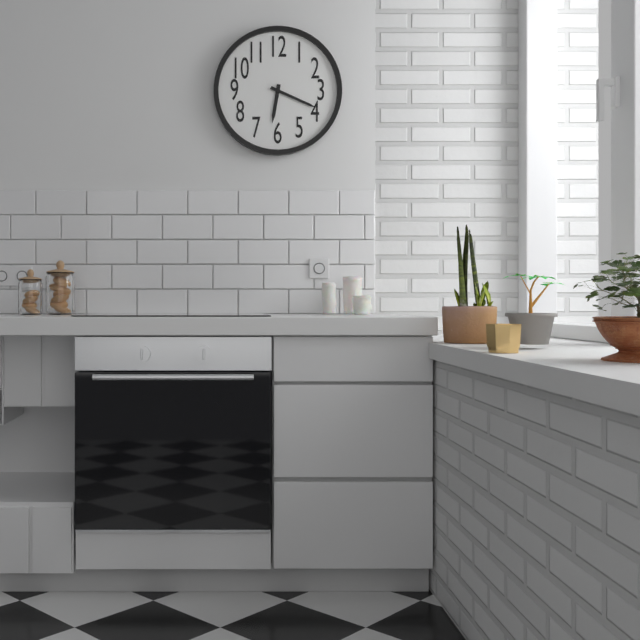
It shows {"hour": 6, "minute": 19}
